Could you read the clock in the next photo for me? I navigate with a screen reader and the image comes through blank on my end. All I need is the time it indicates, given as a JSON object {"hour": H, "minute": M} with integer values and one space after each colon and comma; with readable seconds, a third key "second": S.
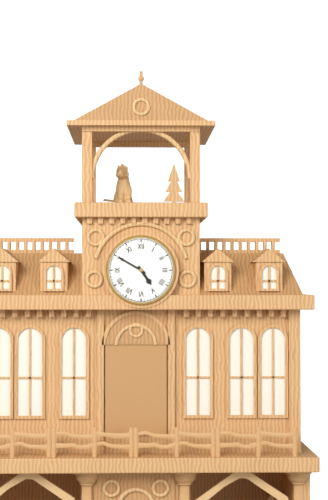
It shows {"hour": 4, "minute": 50}
